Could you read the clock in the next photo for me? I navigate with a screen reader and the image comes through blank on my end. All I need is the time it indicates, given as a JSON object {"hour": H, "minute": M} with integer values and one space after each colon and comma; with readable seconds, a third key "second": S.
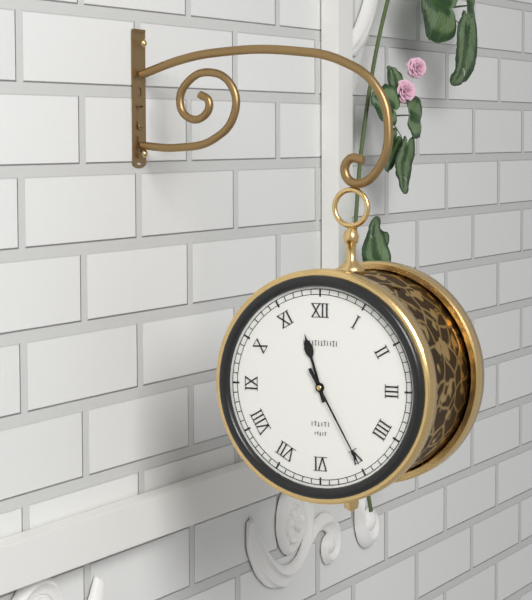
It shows {"hour": 11, "minute": 25}
